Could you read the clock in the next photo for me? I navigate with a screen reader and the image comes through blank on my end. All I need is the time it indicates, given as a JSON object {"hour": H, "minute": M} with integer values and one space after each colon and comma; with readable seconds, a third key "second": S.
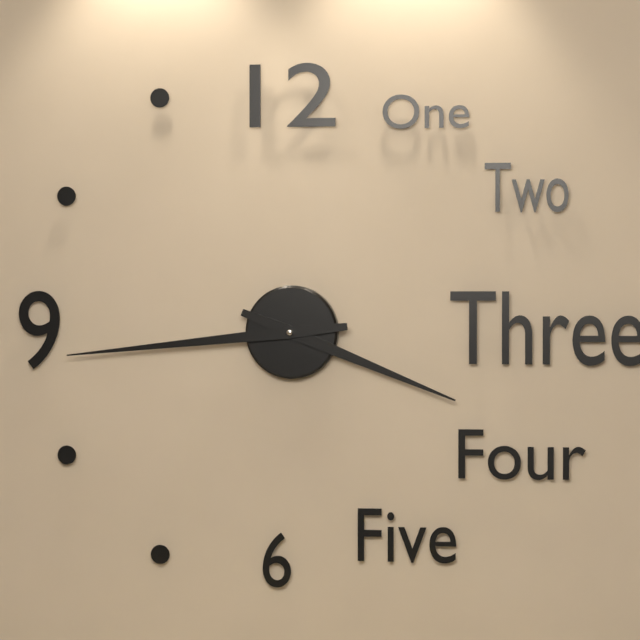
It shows {"hour": 3, "minute": 44}
